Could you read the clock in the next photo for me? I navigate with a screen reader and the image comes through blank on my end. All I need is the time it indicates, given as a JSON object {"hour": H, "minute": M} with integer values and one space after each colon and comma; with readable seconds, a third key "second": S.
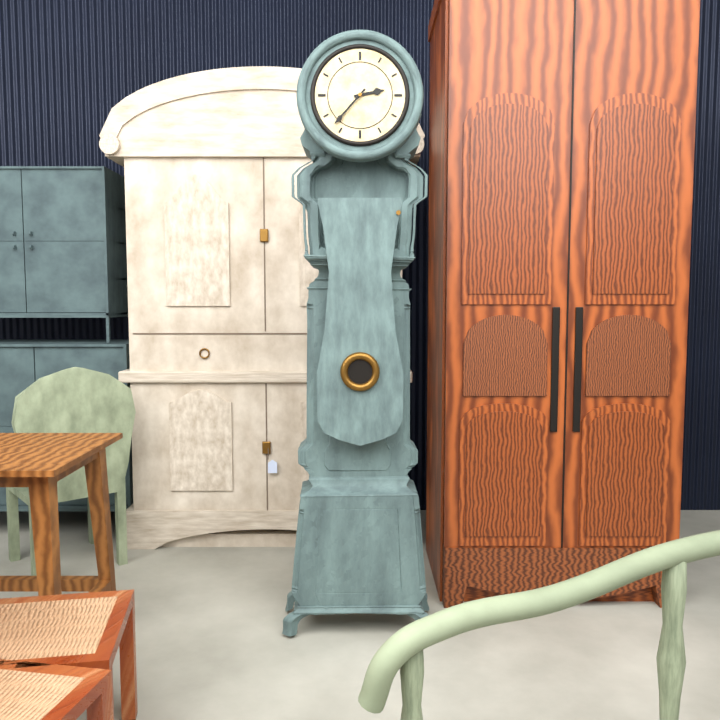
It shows {"hour": 2, "minute": 37}
